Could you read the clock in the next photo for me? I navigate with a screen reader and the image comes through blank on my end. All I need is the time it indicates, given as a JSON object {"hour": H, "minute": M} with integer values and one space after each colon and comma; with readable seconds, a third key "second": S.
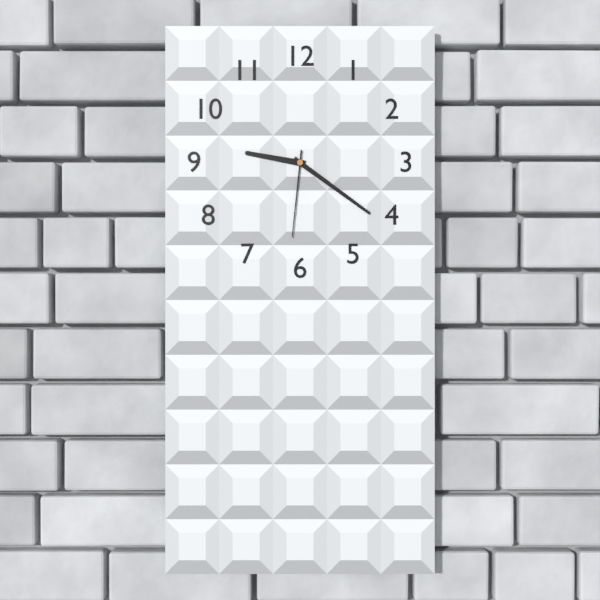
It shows {"hour": 9, "minute": 21, "second": 31}
